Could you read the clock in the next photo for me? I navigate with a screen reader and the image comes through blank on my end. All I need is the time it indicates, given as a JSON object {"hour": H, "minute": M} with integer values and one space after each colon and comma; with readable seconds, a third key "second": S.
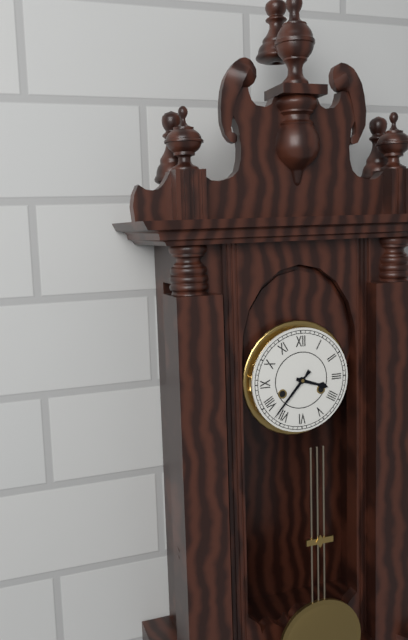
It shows {"hour": 3, "minute": 37}
